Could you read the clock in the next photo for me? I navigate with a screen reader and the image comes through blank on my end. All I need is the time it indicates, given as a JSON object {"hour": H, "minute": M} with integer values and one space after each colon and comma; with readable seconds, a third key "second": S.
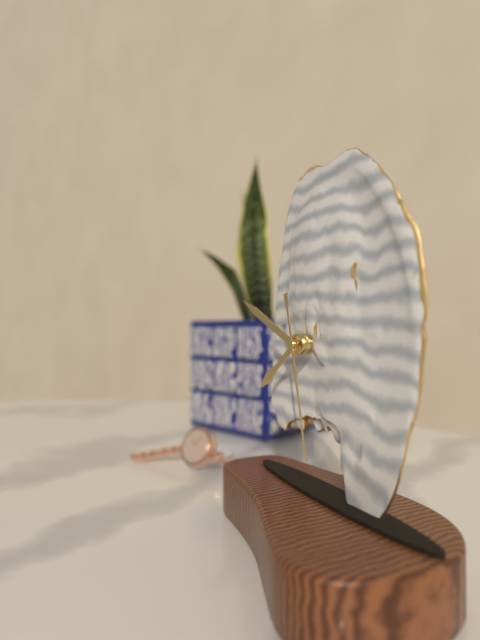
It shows {"hour": 7, "minute": 49, "second": 28}
